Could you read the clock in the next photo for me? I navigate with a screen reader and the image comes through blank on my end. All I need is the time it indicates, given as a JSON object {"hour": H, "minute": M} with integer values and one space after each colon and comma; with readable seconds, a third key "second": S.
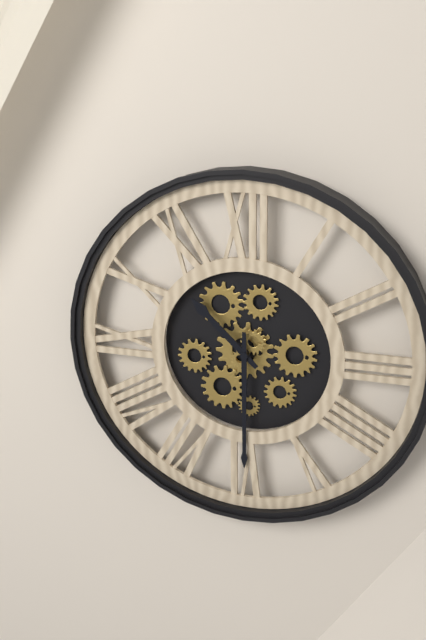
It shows {"hour": 10, "minute": 30}
